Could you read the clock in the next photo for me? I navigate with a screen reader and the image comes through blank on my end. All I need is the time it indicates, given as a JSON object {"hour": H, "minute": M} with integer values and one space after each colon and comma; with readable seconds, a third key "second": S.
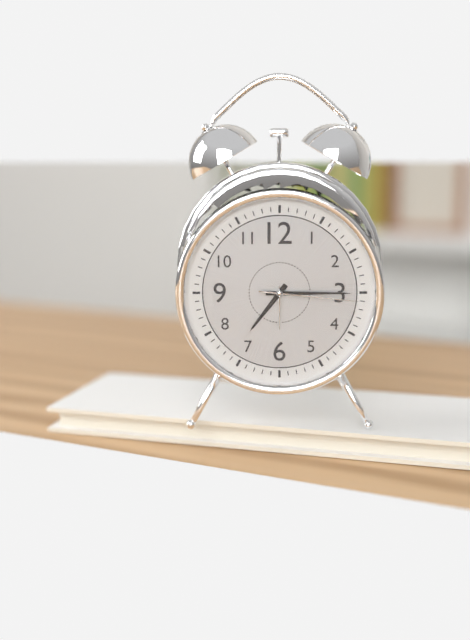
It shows {"hour": 7, "minute": 15, "second": 16}
